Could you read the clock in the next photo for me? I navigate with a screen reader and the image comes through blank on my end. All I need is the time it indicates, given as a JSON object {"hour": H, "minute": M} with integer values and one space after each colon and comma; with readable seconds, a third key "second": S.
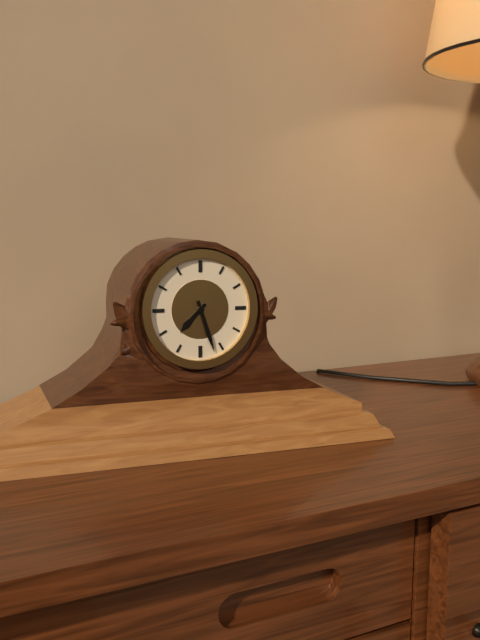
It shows {"hour": 7, "minute": 27}
